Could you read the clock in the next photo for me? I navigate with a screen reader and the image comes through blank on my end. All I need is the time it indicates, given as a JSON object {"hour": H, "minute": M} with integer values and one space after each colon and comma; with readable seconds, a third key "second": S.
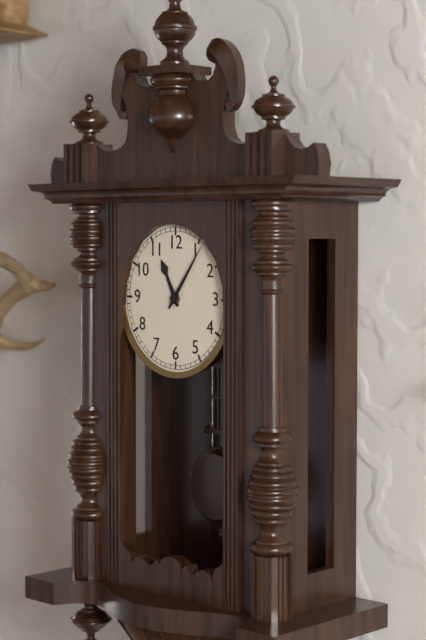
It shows {"hour": 11, "minute": 6}
